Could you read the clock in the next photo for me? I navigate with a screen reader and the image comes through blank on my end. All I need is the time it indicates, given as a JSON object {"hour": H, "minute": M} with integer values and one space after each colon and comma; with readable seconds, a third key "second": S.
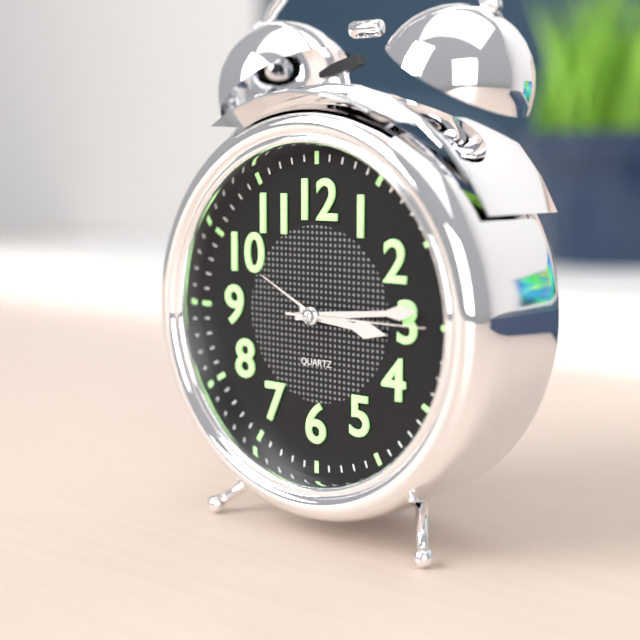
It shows {"hour": 3, "minute": 14, "second": 15}
